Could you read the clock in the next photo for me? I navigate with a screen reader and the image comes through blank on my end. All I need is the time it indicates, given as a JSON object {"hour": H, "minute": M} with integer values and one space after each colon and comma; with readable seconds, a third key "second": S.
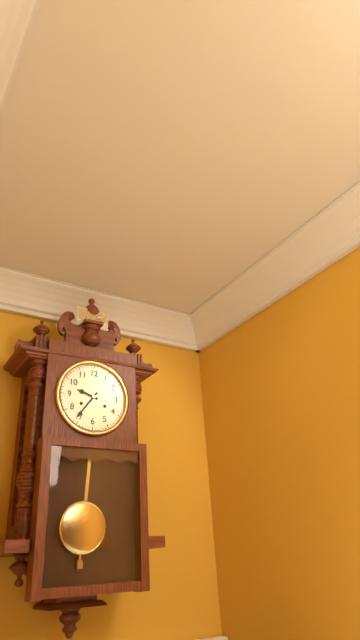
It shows {"hour": 9, "minute": 36}
